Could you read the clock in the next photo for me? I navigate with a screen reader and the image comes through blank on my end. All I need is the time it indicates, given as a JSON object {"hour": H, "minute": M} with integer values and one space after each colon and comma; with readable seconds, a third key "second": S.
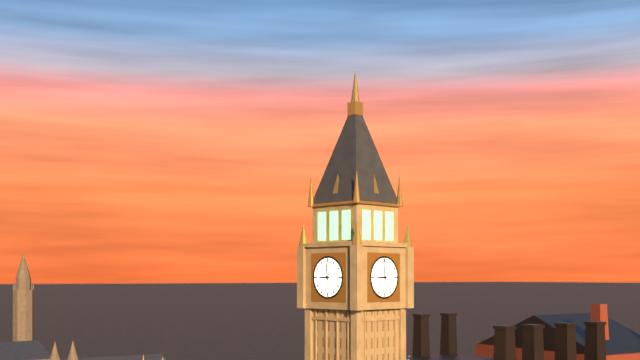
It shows {"hour": 8, "minute": 59}
